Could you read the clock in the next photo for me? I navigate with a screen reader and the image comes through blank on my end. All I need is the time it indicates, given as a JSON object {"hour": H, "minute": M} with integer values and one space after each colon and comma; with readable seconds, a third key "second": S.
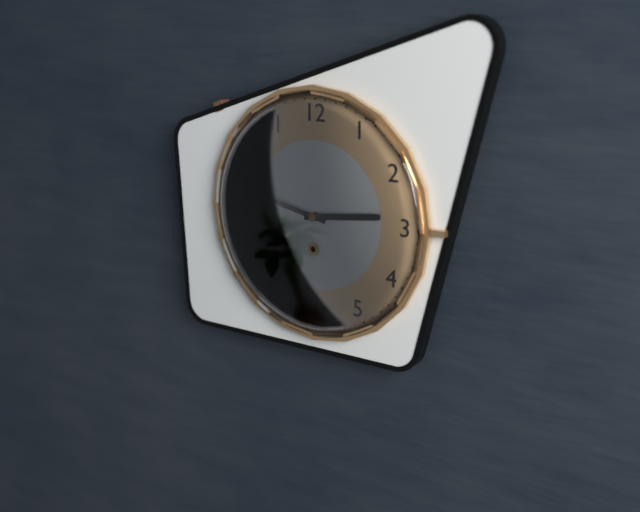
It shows {"hour": 2, "minute": 47}
